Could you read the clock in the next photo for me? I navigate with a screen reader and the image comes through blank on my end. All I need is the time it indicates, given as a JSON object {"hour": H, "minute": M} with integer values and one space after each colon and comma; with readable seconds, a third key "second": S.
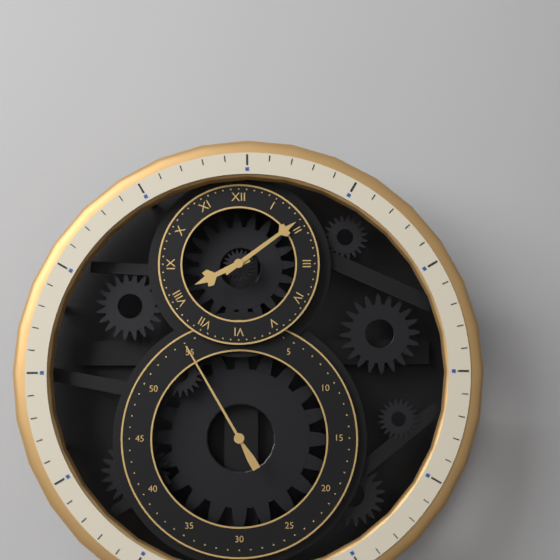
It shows {"hour": 8, "minute": 9, "second": 55}
